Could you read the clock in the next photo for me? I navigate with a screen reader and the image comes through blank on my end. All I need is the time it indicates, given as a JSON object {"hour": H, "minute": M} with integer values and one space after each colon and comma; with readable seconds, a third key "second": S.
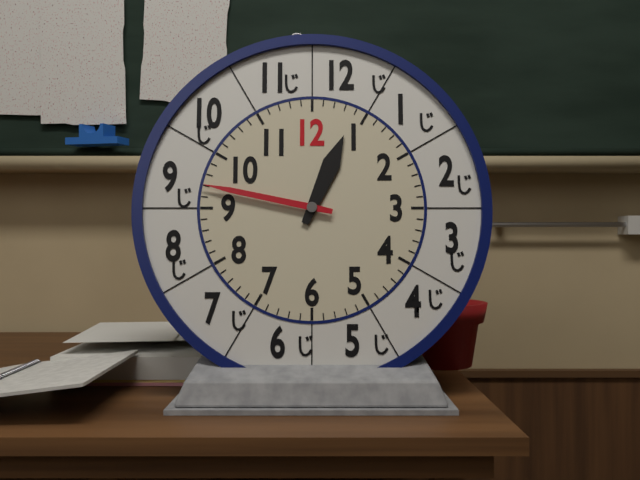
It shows {"hour": 12, "minute": 47}
